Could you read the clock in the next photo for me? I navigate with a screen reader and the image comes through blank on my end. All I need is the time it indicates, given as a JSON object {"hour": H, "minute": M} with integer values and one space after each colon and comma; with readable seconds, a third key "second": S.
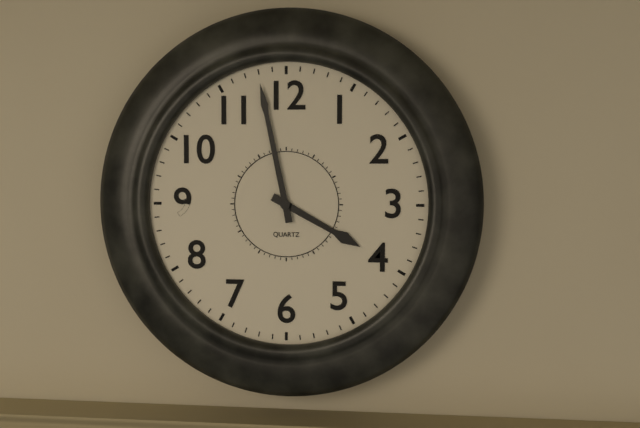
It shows {"hour": 3, "minute": 58}
